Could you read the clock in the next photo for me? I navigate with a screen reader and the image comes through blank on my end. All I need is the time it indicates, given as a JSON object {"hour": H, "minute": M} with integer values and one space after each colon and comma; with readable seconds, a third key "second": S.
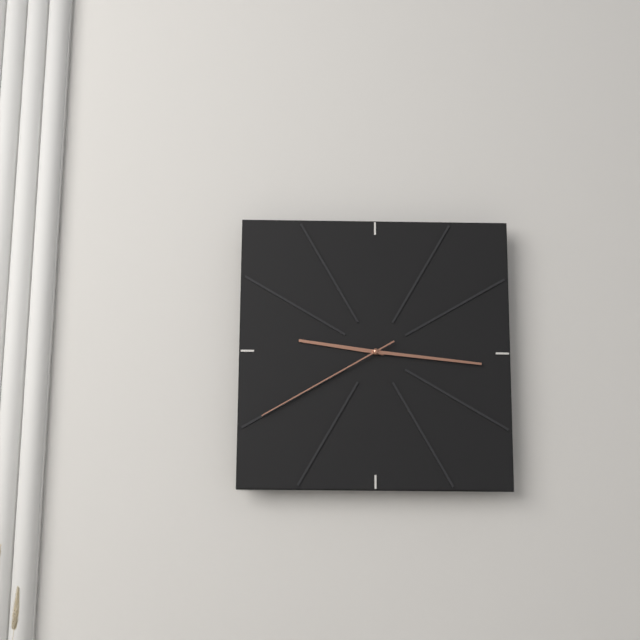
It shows {"hour": 9, "minute": 16, "second": 40}
